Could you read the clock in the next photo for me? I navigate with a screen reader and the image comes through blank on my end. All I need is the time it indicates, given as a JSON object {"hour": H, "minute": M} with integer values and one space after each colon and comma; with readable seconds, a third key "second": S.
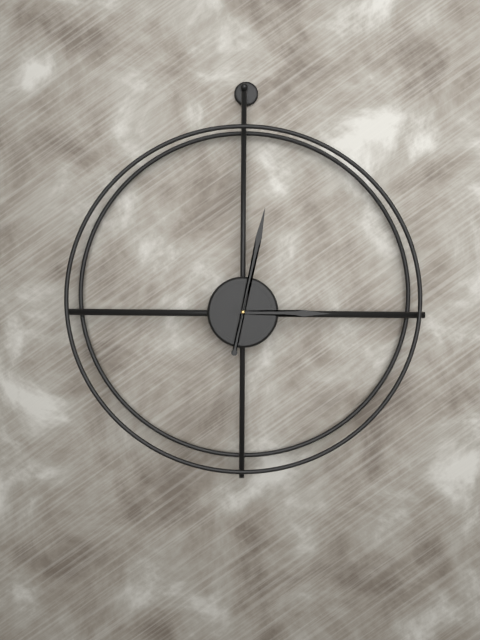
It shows {"hour": 3, "minute": 2}
